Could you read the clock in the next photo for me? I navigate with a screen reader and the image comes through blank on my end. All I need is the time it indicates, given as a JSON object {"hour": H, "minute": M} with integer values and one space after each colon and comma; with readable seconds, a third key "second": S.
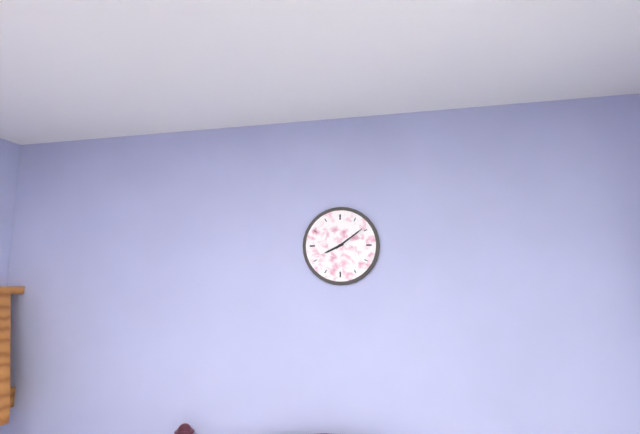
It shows {"hour": 8, "minute": 9}
